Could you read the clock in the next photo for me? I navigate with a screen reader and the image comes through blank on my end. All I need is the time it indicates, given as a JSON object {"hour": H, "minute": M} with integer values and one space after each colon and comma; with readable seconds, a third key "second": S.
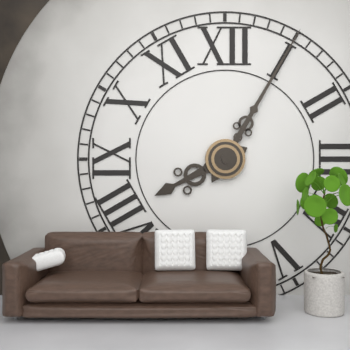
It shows {"hour": 8, "minute": 5}
